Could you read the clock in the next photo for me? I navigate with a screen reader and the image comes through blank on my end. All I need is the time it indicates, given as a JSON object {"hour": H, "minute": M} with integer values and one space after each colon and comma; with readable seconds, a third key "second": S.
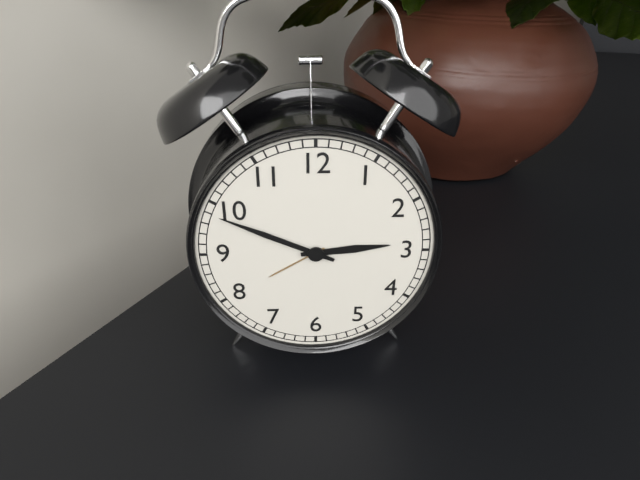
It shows {"hour": 2, "minute": 49}
